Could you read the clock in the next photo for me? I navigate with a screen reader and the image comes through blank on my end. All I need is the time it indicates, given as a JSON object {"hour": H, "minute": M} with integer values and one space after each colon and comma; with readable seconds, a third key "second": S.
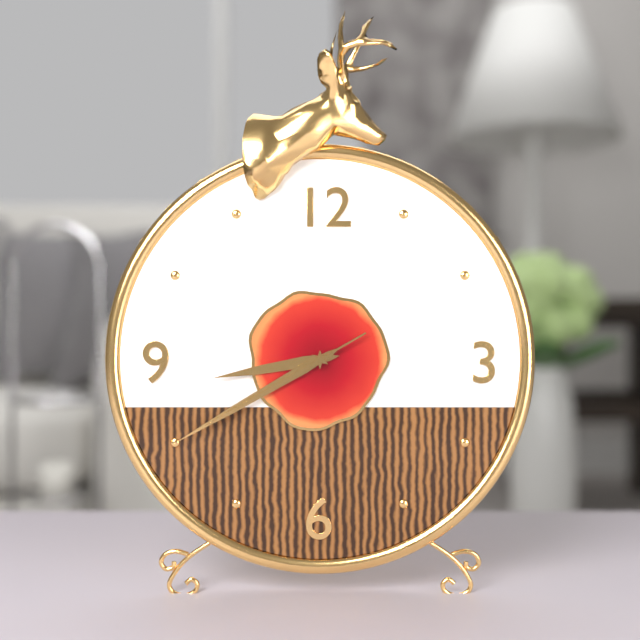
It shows {"hour": 8, "minute": 40, "second": 40}
